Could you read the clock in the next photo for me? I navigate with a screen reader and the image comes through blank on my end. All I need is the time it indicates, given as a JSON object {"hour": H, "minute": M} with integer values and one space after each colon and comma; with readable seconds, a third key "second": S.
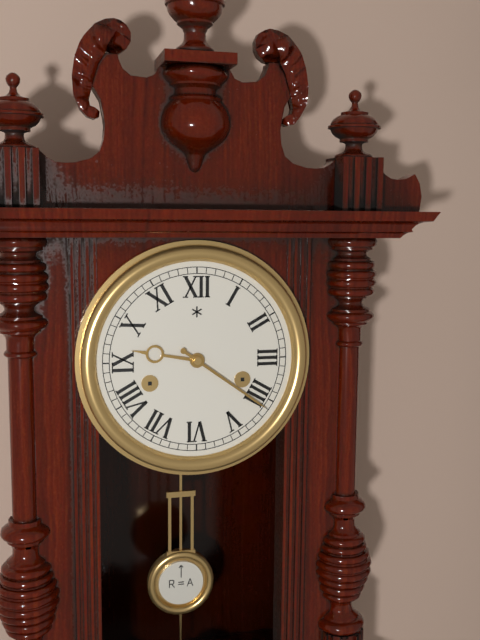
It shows {"hour": 9, "minute": 21}
